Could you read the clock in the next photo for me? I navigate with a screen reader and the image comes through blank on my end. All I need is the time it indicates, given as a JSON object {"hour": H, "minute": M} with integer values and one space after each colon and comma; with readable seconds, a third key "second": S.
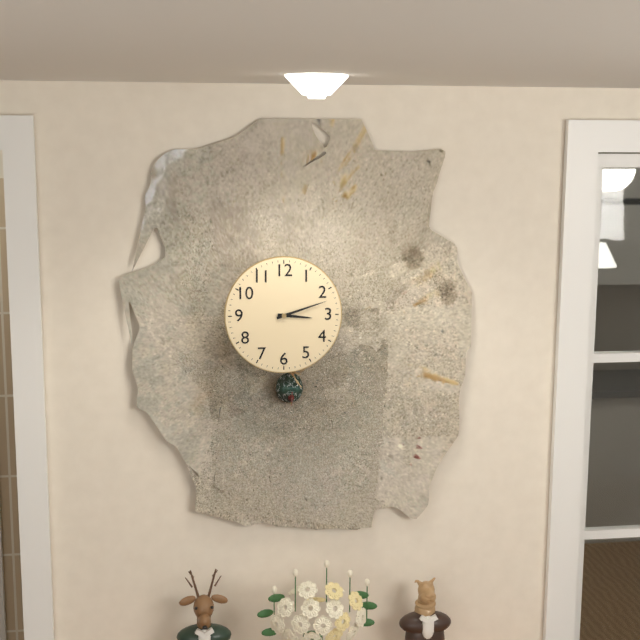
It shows {"hour": 3, "minute": 12}
